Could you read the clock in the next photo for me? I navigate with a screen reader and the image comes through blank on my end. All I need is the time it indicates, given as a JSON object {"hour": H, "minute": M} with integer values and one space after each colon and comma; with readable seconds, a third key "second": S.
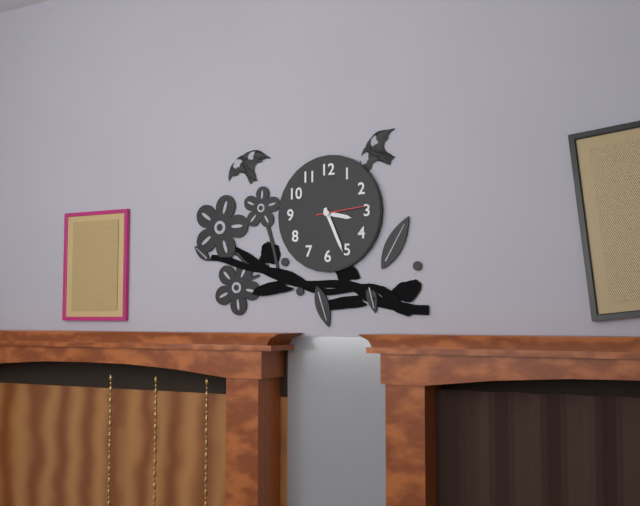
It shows {"hour": 3, "minute": 26, "second": 14}
